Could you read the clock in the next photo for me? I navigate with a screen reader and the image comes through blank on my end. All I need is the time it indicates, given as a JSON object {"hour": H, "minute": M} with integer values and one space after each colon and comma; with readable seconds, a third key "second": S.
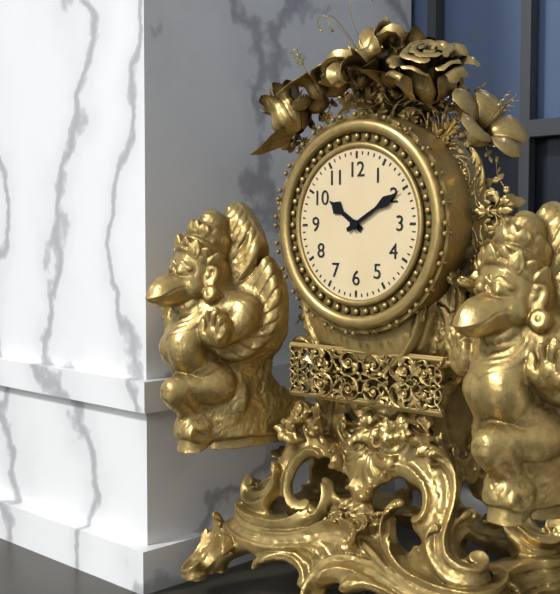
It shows {"hour": 10, "minute": 10}
